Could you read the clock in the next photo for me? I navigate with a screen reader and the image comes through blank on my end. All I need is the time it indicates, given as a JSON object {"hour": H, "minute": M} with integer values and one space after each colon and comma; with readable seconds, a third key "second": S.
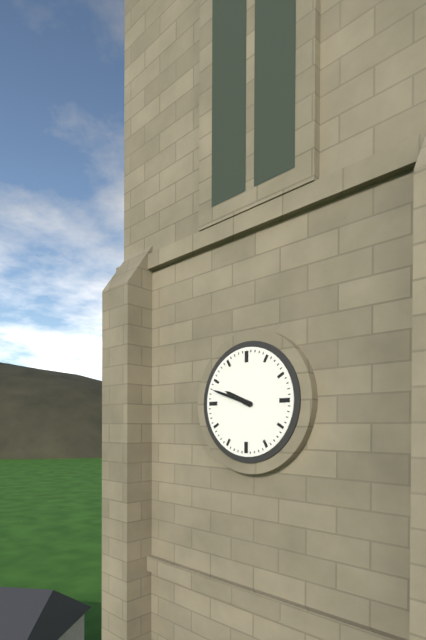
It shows {"hour": 9, "minute": 48}
